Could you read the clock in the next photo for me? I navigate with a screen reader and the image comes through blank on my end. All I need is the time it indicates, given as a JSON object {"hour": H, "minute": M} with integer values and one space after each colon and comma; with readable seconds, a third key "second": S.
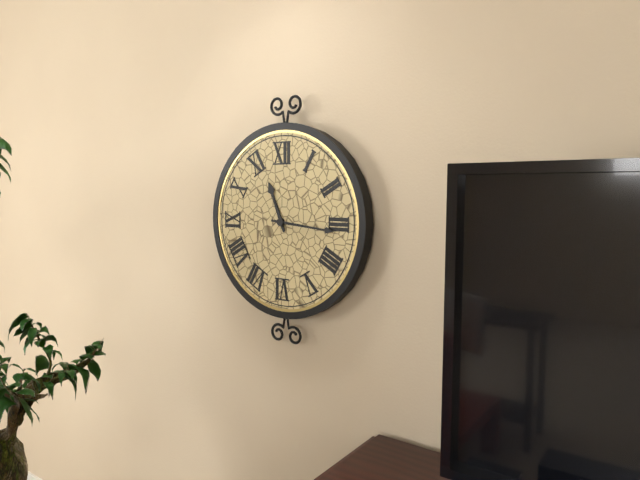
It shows {"hour": 11, "minute": 16}
